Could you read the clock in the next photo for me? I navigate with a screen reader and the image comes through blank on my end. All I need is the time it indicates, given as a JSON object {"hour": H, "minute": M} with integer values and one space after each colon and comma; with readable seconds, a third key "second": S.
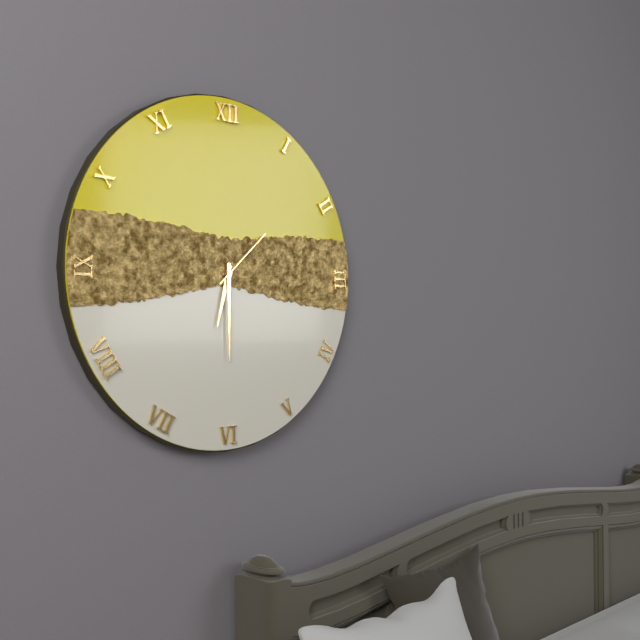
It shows {"hour": 6, "minute": 30, "second": 8}
